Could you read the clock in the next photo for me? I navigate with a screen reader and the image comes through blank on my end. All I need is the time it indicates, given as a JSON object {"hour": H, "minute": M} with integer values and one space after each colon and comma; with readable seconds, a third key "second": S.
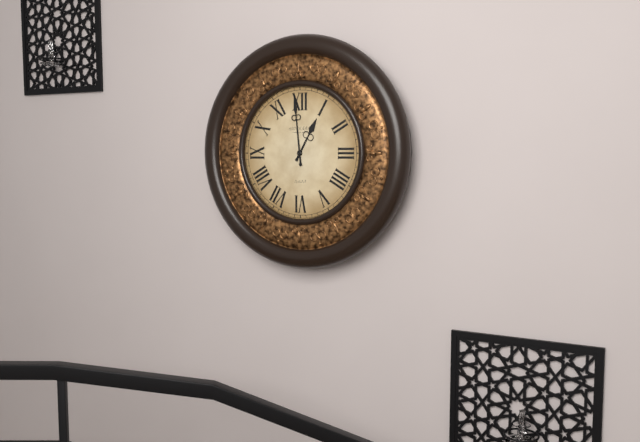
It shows {"hour": 12, "minute": 59}
